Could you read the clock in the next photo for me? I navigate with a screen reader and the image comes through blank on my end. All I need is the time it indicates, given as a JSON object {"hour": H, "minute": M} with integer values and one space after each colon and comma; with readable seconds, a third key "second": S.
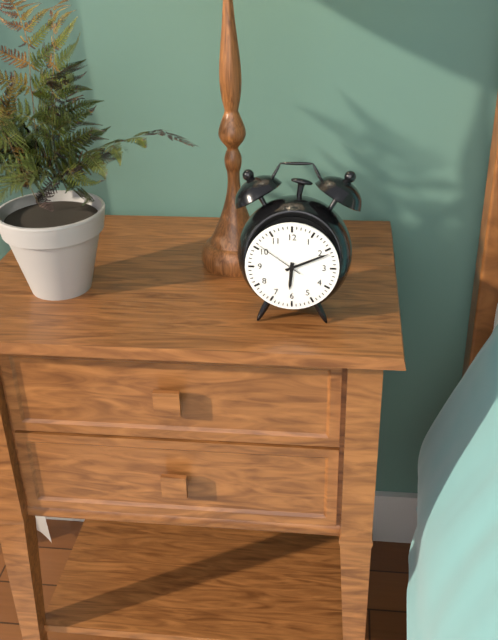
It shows {"hour": 6, "minute": 11, "second": 51}
